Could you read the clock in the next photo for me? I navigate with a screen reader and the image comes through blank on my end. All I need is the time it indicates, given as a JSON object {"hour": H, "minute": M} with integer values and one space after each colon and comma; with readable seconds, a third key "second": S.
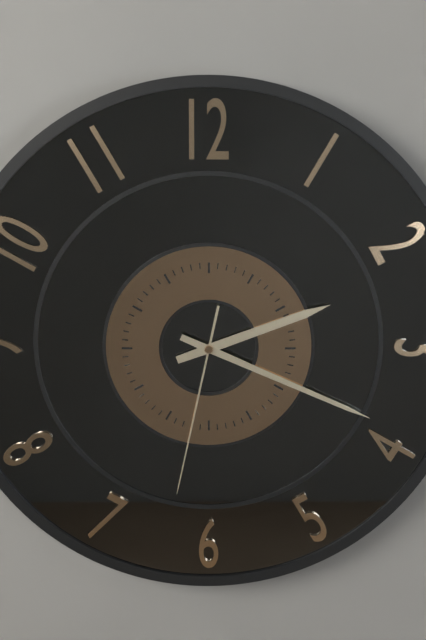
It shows {"hour": 2, "minute": 19, "second": 32}
